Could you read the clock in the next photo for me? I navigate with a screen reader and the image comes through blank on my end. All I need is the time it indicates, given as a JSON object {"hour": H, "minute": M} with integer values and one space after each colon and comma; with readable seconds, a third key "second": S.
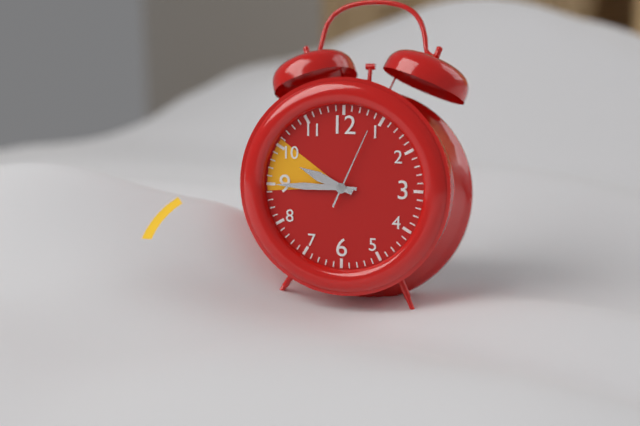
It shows {"hour": 9, "minute": 45, "second": 4}
